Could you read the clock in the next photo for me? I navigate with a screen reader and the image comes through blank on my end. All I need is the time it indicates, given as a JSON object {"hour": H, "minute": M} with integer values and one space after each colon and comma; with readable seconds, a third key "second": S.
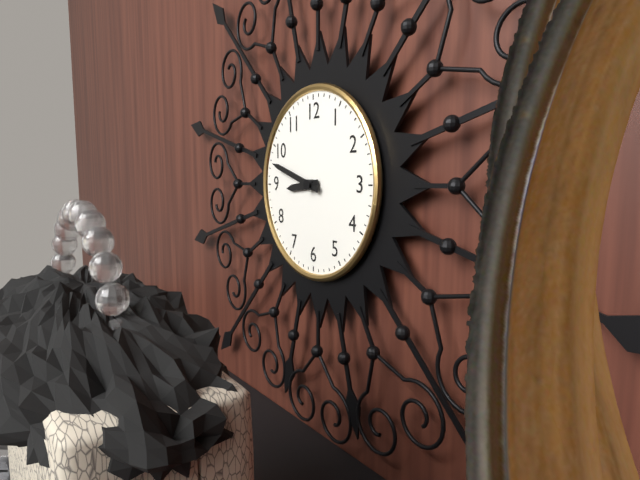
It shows {"hour": 8, "minute": 48}
